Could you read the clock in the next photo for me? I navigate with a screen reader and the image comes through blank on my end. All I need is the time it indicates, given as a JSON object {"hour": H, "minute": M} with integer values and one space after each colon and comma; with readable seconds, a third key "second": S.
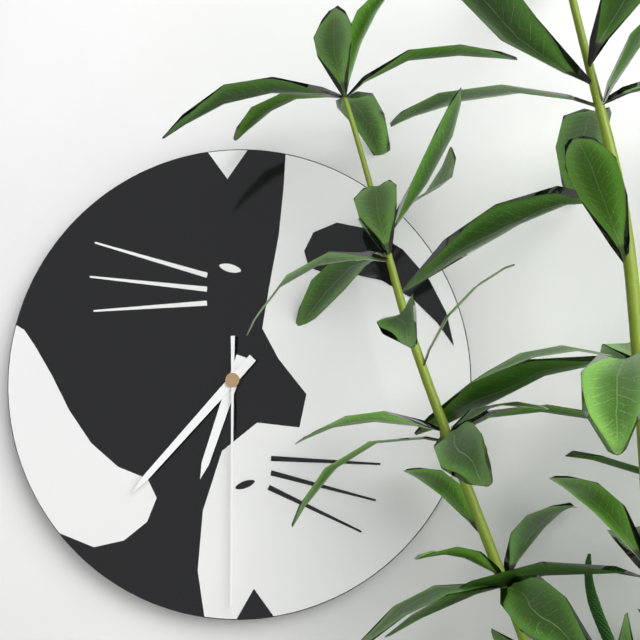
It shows {"hour": 6, "minute": 37, "second": 30}
